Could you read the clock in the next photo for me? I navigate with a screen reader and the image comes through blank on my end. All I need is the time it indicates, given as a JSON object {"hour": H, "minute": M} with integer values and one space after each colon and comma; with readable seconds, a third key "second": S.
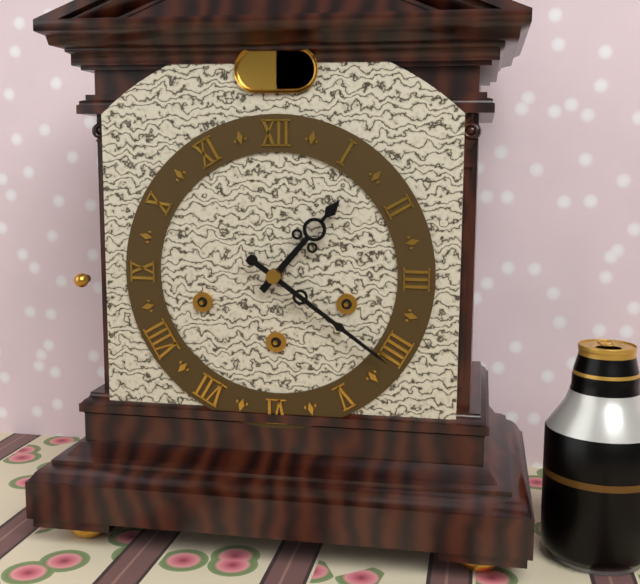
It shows {"hour": 1, "minute": 21}
